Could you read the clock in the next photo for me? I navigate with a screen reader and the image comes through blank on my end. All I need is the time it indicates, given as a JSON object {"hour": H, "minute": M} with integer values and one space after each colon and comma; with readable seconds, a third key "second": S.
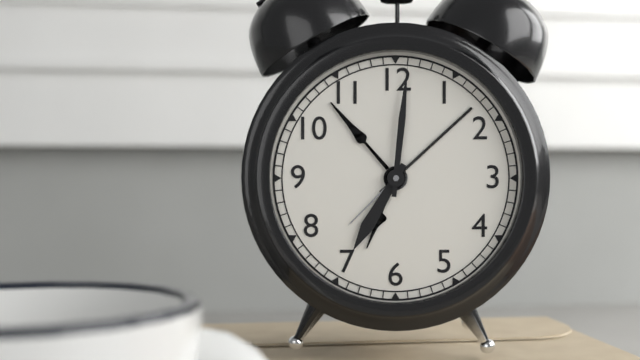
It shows {"hour": 7, "minute": 1}
